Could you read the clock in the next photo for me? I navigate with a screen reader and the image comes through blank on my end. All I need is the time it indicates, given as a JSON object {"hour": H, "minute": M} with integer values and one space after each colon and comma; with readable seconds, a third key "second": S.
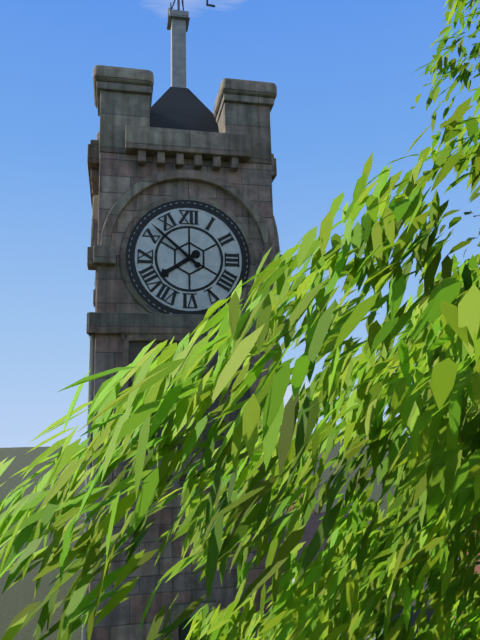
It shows {"hour": 7, "minute": 52}
